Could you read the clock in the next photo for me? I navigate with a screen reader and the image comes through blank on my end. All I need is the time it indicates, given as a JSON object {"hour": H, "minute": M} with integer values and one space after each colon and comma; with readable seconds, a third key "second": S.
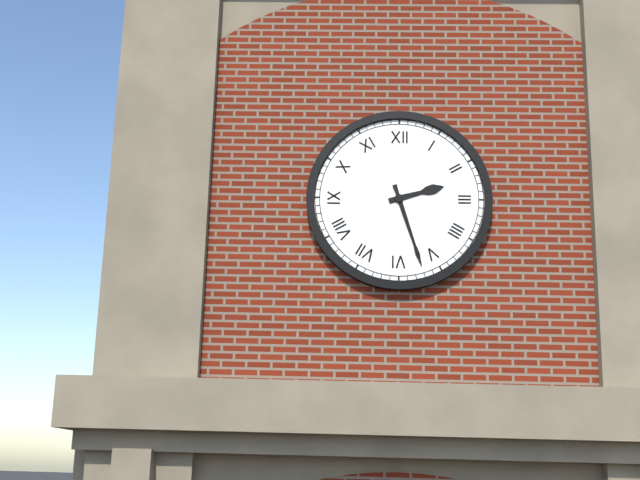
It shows {"hour": 2, "minute": 27}
